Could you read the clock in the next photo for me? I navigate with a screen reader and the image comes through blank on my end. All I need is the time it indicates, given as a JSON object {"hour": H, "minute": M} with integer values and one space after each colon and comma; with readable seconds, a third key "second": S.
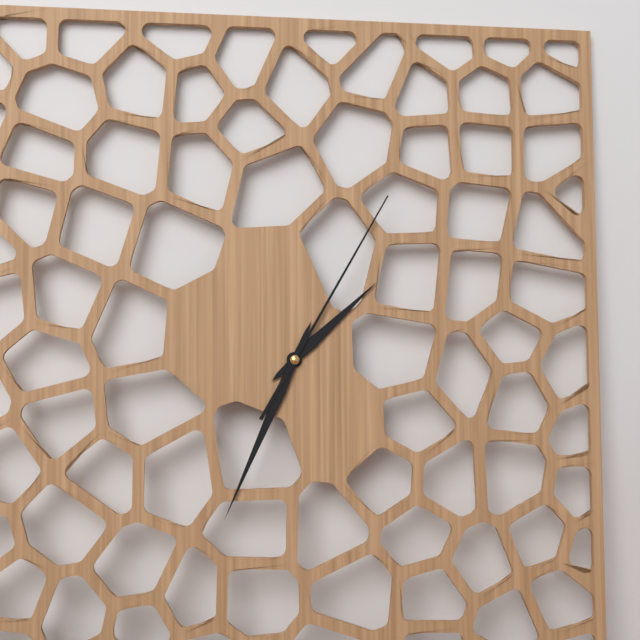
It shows {"hour": 1, "minute": 34, "second": 5}
